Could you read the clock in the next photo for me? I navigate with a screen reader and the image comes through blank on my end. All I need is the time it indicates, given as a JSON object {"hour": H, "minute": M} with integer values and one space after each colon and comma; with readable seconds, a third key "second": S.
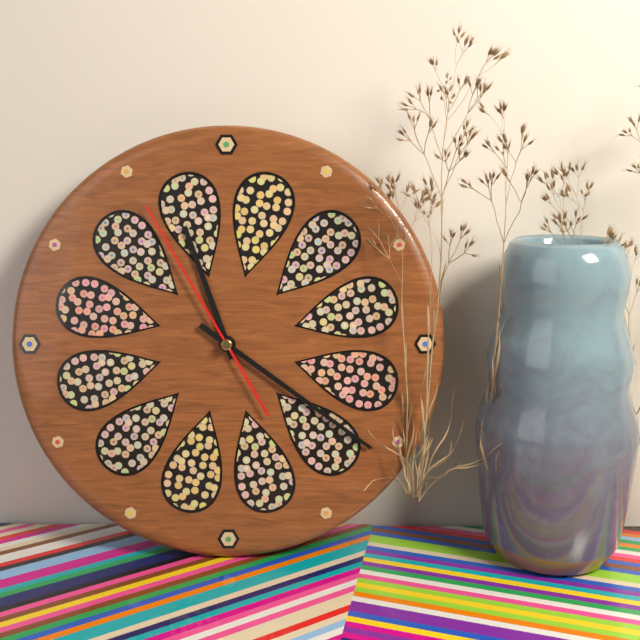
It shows {"hour": 11, "minute": 21, "second": 55}
